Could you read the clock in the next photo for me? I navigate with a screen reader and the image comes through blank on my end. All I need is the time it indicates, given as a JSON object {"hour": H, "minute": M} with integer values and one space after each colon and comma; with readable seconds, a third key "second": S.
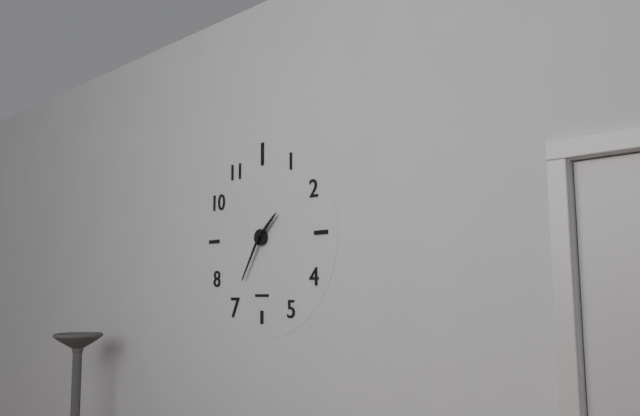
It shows {"hour": 1, "minute": 35}
